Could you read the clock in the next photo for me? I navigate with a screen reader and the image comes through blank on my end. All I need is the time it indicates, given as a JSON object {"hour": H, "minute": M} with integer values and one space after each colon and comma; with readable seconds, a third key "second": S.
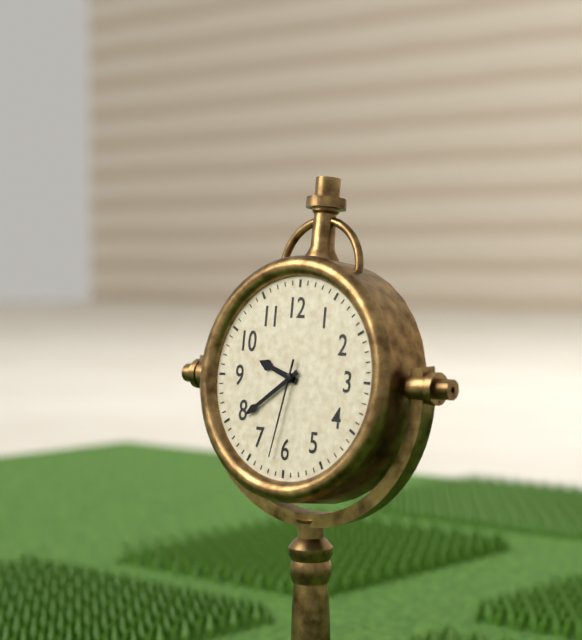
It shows {"hour": 9, "minute": 39, "second": 32}
